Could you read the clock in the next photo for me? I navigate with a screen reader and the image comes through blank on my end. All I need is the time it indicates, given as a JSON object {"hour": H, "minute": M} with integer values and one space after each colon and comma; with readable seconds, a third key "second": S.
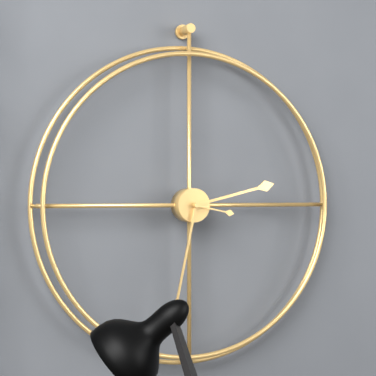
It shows {"hour": 2, "minute": 32}
